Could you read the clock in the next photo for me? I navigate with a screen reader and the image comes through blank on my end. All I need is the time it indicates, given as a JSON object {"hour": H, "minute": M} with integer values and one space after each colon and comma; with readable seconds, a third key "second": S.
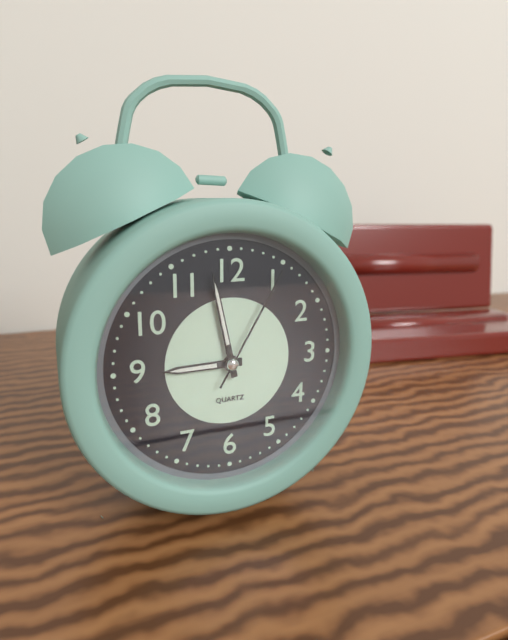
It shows {"hour": 8, "minute": 58, "second": 5}
